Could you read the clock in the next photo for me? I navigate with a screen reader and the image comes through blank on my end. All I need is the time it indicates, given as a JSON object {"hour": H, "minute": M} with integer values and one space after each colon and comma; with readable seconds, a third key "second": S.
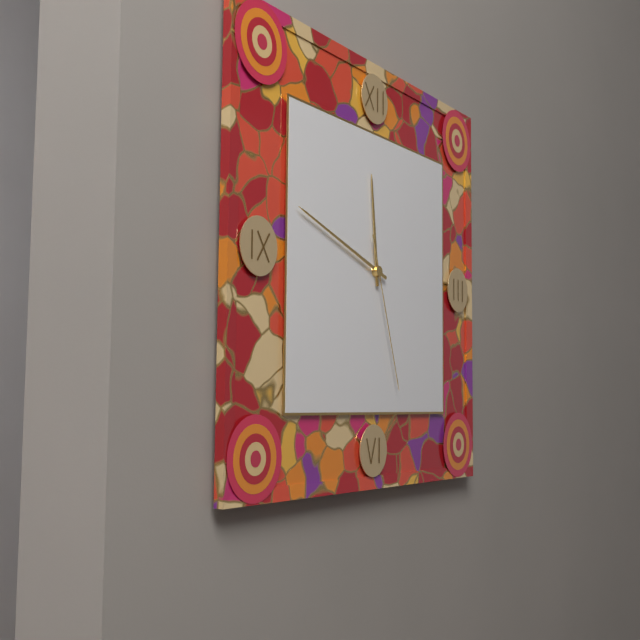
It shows {"hour": 11, "minute": 48, "second": 27}
